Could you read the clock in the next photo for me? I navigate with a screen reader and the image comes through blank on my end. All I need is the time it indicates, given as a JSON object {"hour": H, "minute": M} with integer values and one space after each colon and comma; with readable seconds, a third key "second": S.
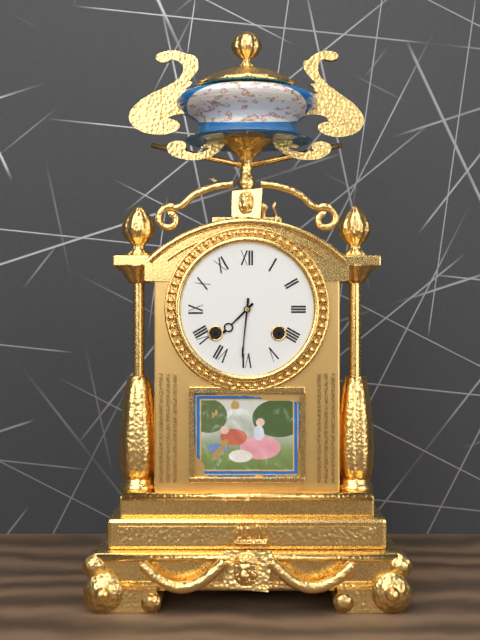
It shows {"hour": 7, "minute": 31}
